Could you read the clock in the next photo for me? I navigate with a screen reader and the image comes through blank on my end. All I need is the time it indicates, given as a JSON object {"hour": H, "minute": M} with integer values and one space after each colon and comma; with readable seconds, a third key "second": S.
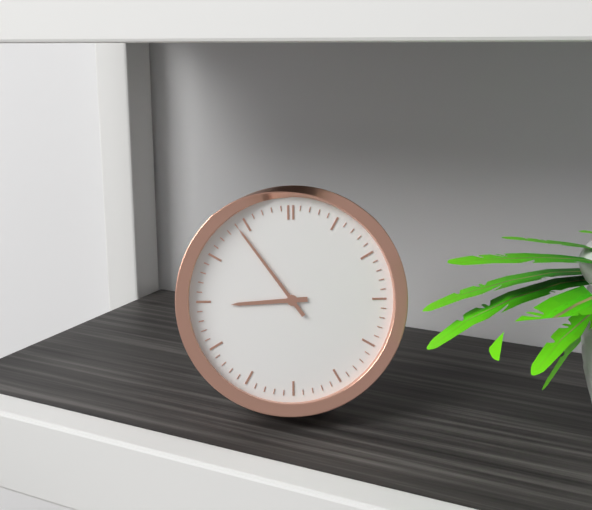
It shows {"hour": 8, "minute": 54}
